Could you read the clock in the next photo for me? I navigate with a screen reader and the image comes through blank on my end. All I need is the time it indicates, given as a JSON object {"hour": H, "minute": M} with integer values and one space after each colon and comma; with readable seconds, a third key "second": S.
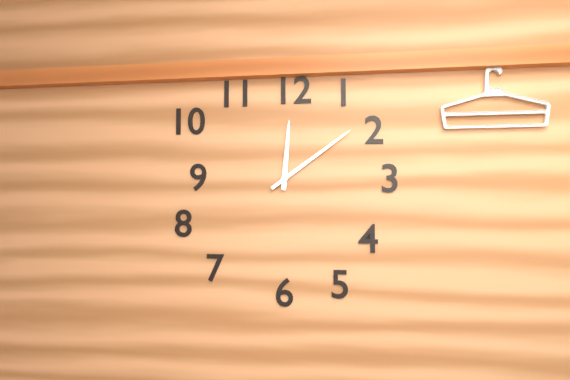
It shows {"hour": 12, "minute": 9}
